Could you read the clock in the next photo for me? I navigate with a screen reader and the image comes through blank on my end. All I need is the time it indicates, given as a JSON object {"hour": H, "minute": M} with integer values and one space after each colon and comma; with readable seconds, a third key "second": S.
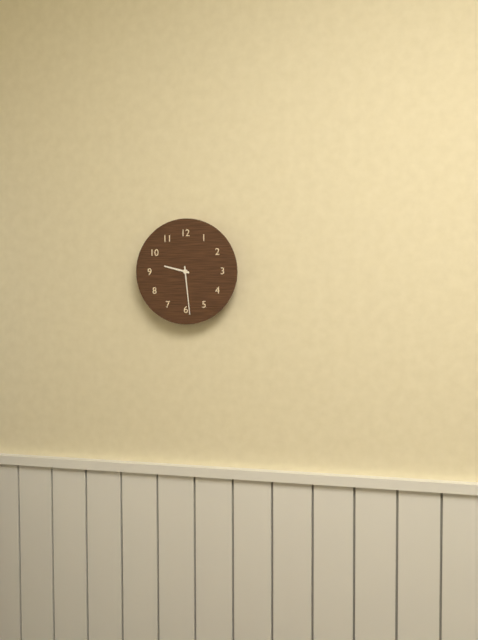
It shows {"hour": 9, "minute": 29}
